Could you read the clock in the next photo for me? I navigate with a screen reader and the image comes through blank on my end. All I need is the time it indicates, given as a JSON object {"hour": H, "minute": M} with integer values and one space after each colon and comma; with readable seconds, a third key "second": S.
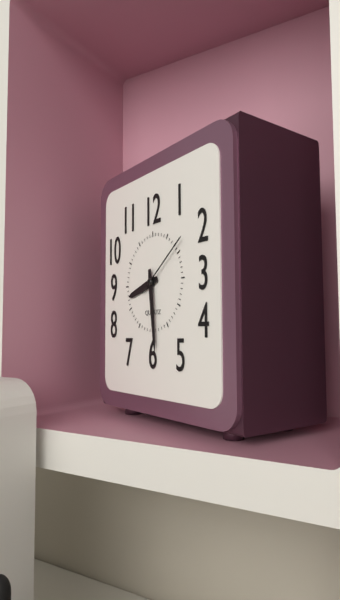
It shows {"hour": 8, "minute": 29, "second": 9}
